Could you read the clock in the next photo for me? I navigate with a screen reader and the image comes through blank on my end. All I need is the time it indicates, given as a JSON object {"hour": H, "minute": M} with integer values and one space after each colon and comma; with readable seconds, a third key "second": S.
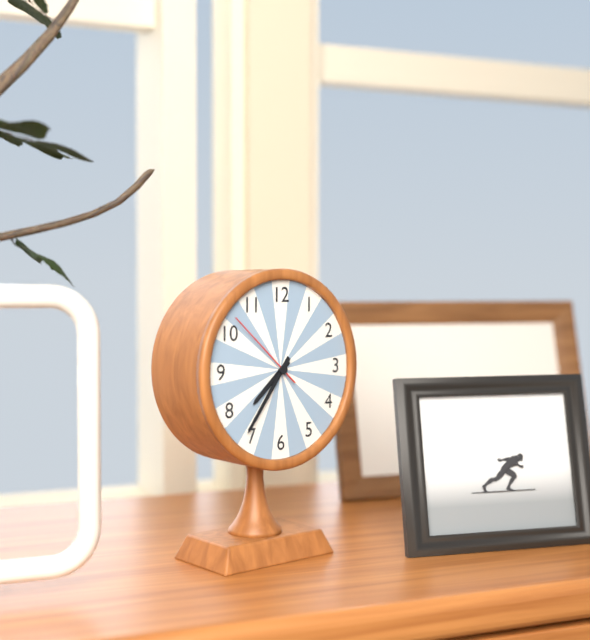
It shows {"hour": 7, "minute": 36, "second": 52}
